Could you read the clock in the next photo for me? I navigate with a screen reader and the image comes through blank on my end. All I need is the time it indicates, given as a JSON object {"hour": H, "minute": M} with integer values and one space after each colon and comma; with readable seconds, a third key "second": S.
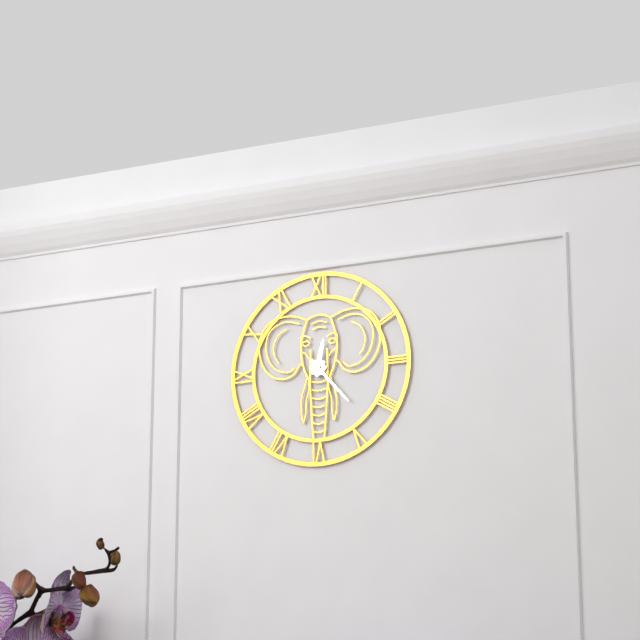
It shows {"hour": 12, "minute": 23}
